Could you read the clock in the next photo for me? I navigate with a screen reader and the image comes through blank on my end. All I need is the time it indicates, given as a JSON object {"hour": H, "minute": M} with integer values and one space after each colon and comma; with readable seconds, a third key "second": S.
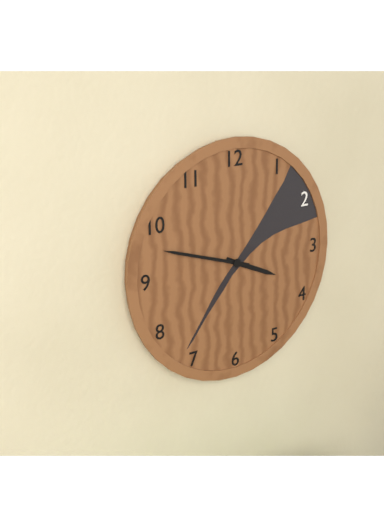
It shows {"hour": 3, "minute": 48}
